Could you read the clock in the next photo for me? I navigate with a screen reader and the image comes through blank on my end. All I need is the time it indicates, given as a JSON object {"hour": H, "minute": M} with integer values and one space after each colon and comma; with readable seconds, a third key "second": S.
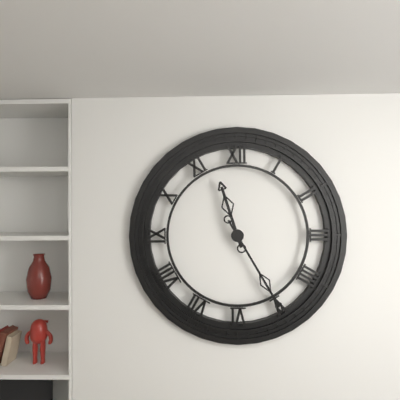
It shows {"hour": 11, "minute": 25}
